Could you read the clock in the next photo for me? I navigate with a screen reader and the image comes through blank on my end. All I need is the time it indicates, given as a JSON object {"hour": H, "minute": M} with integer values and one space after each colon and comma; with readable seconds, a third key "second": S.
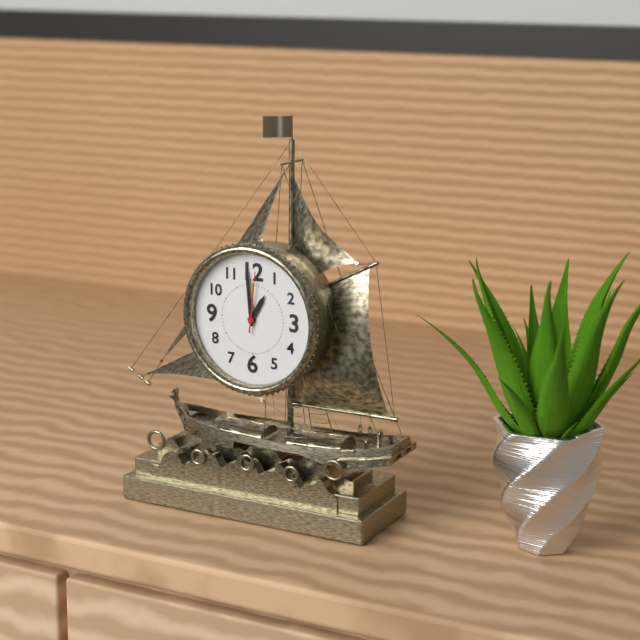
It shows {"hour": 12, "minute": 59, "second": 1}
